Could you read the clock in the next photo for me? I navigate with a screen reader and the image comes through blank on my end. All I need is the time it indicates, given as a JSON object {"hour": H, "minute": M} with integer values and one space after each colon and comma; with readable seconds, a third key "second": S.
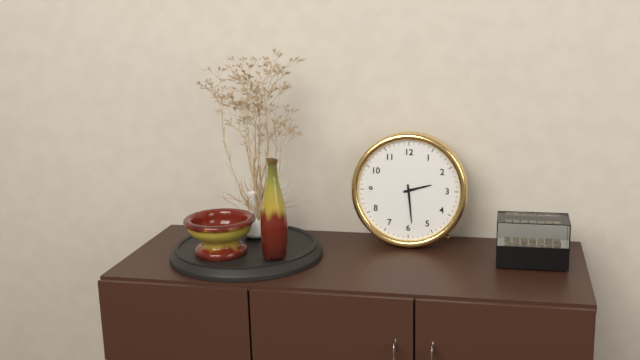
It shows {"hour": 2, "minute": 29}
